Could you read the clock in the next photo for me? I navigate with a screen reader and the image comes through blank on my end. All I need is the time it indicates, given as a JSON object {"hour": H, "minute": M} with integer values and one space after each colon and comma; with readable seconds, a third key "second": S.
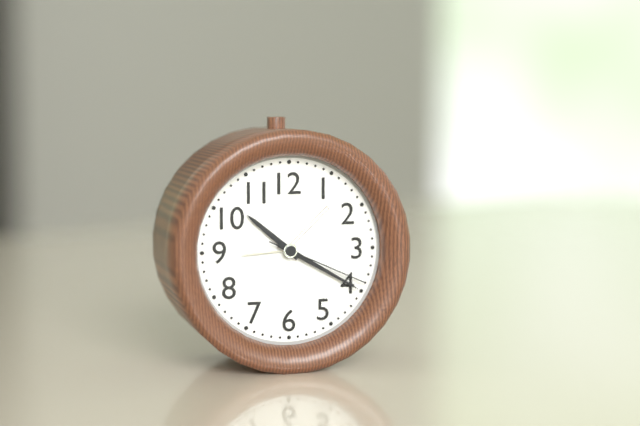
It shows {"hour": 10, "minute": 20, "second": 19}
